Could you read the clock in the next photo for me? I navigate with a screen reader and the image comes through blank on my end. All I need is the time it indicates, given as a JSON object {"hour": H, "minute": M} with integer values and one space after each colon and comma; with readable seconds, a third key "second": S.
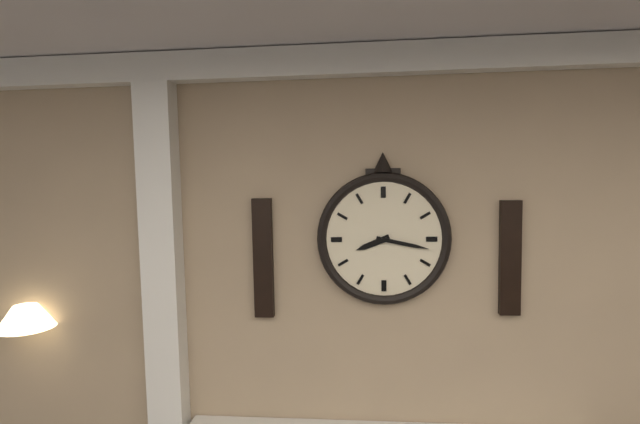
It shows {"hour": 8, "minute": 17}
